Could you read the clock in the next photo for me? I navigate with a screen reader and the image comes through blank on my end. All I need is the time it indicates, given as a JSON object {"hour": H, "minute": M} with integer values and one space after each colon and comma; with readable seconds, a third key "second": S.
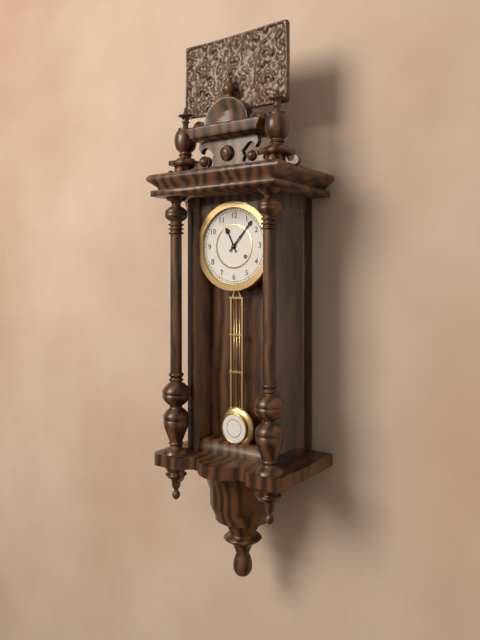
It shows {"hour": 11, "minute": 7}
